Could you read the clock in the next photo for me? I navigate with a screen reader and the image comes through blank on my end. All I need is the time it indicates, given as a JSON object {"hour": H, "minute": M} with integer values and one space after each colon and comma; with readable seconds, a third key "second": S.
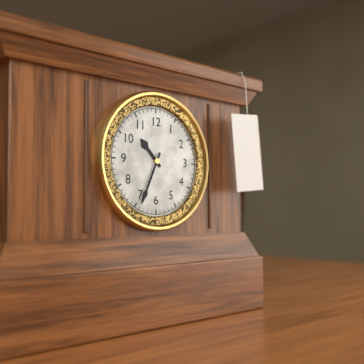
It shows {"hour": 10, "minute": 34}
